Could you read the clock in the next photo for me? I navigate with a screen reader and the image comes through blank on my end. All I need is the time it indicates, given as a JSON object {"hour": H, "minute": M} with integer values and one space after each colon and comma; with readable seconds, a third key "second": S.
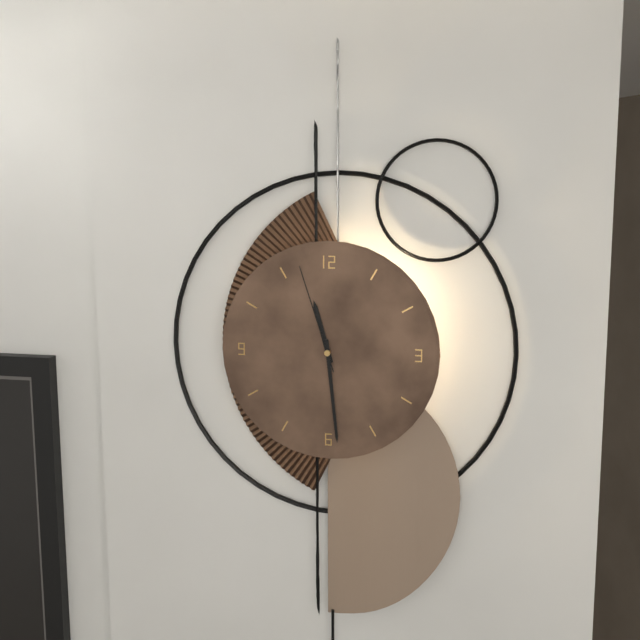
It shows {"hour": 11, "minute": 29, "second": 57}
